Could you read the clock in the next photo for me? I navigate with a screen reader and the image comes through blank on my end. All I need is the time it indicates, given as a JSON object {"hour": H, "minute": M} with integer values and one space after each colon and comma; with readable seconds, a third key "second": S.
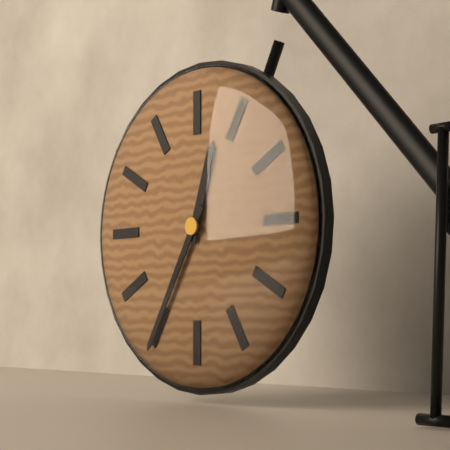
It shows {"hour": 12, "minute": 35}
